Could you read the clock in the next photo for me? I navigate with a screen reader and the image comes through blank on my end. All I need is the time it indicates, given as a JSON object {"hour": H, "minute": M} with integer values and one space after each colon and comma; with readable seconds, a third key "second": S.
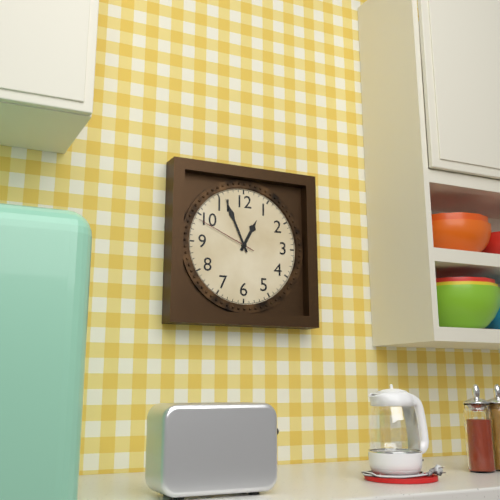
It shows {"hour": 12, "minute": 56, "second": 49}
